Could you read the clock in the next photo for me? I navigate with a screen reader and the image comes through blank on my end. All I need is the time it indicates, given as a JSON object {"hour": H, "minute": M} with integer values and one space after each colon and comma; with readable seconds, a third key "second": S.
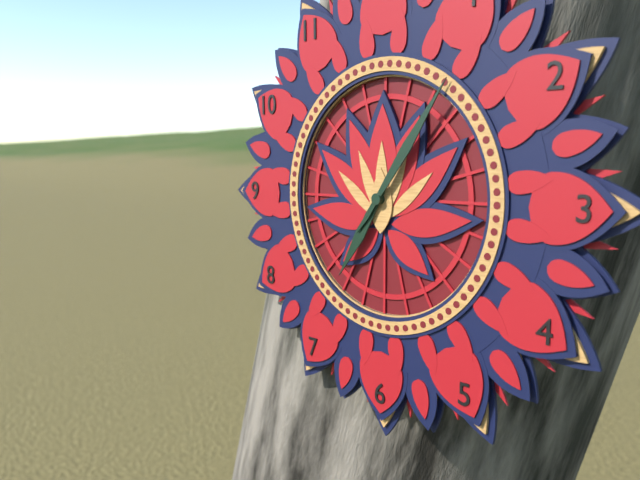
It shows {"hour": 7, "minute": 6}
